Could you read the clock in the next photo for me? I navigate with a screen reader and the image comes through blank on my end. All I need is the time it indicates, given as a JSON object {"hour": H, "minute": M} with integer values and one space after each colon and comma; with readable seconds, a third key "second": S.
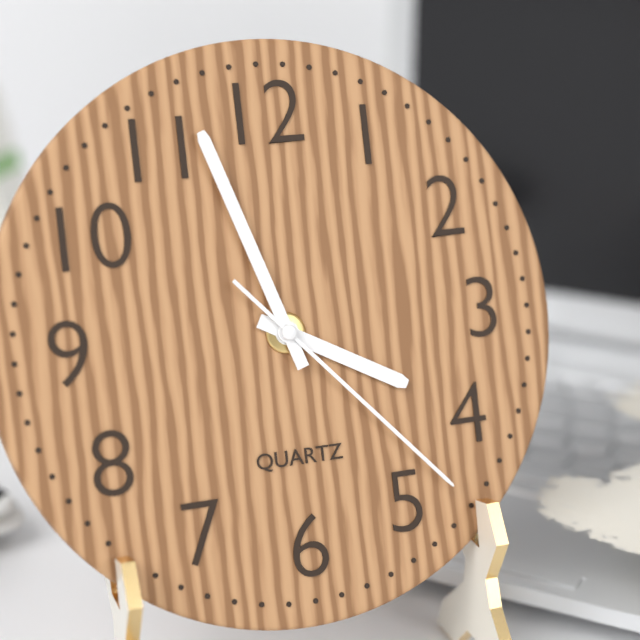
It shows {"hour": 3, "minute": 57, "second": 23}
